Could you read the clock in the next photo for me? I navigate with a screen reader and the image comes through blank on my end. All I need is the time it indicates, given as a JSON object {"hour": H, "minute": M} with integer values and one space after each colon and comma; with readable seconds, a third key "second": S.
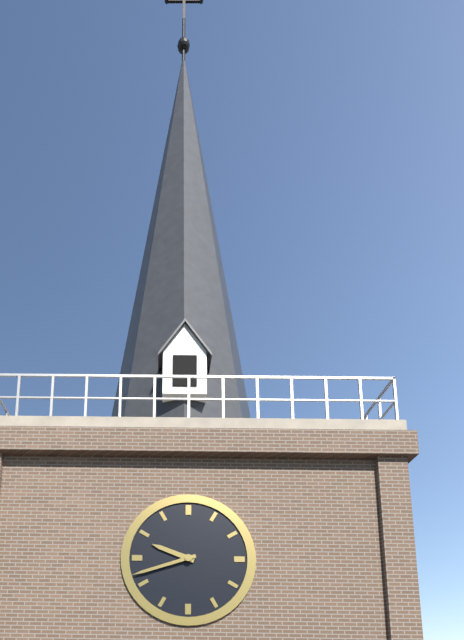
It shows {"hour": 9, "minute": 42}
